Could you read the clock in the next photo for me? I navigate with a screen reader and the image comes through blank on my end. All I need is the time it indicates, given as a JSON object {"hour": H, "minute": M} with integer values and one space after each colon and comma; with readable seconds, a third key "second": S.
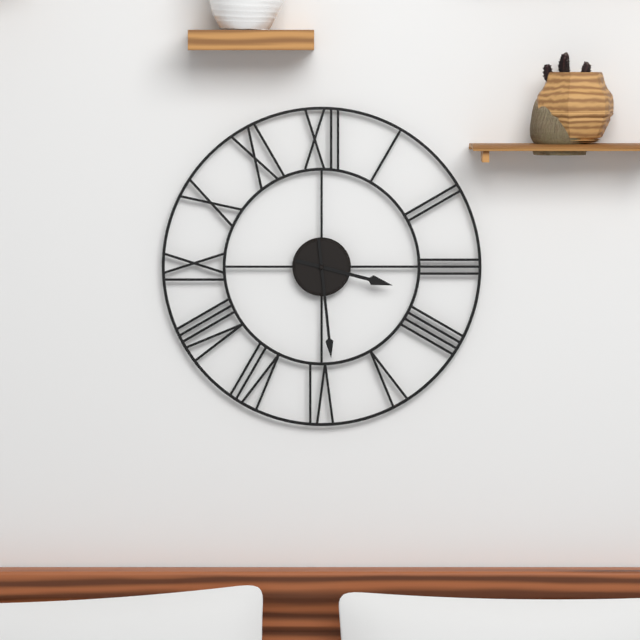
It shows {"hour": 3, "minute": 29}
